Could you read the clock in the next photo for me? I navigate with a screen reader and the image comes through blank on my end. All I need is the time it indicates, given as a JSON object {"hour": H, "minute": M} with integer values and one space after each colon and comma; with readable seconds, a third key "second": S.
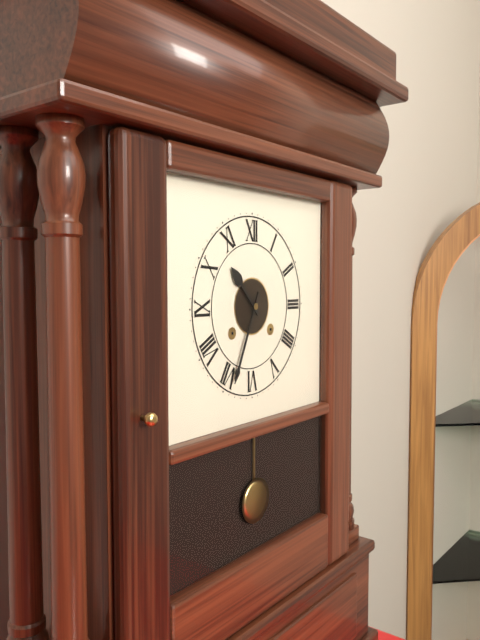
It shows {"hour": 10, "minute": 34}
